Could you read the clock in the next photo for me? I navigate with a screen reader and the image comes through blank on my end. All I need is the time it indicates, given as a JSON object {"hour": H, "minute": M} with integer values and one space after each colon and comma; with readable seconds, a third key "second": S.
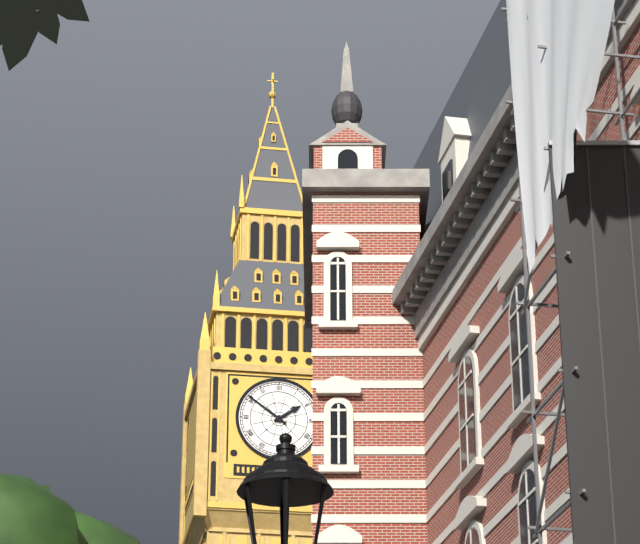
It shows {"hour": 1, "minute": 51}
